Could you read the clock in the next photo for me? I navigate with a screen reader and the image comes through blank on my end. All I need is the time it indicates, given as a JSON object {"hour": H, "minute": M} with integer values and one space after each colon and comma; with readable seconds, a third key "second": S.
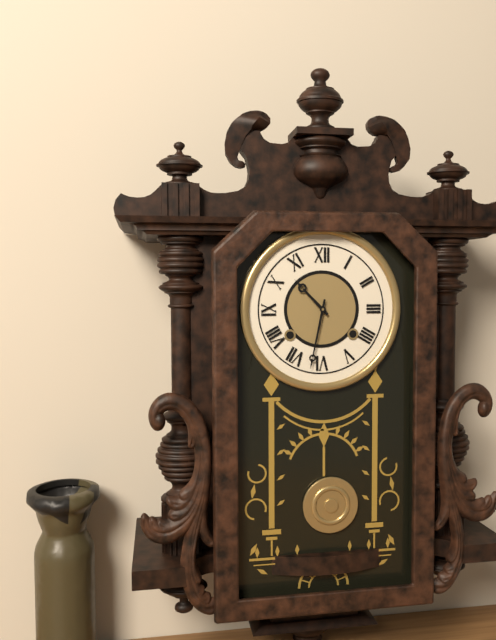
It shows {"hour": 10, "minute": 32}
